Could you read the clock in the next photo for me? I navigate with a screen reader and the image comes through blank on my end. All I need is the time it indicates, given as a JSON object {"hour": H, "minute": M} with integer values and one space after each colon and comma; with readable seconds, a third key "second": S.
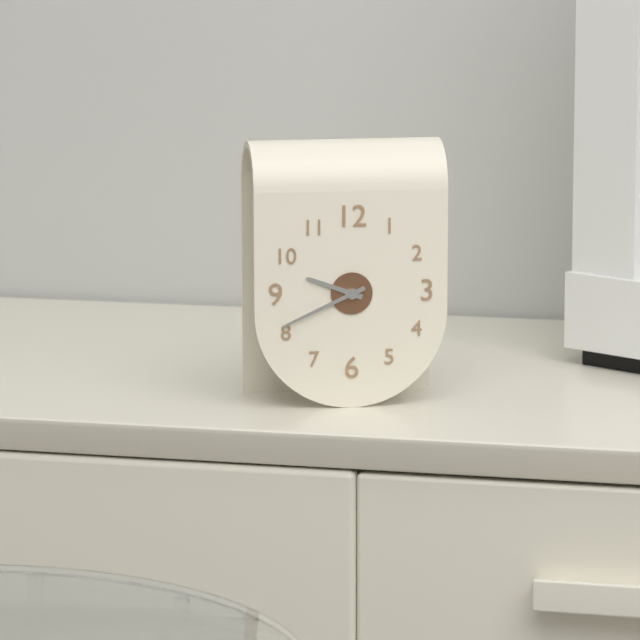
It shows {"hour": 9, "minute": 41}
